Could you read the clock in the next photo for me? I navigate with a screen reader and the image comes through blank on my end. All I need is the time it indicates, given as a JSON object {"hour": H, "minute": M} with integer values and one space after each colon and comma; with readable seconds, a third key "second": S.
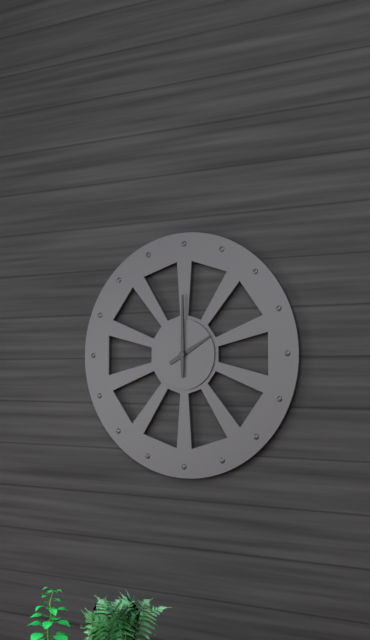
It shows {"hour": 2, "minute": 0}
